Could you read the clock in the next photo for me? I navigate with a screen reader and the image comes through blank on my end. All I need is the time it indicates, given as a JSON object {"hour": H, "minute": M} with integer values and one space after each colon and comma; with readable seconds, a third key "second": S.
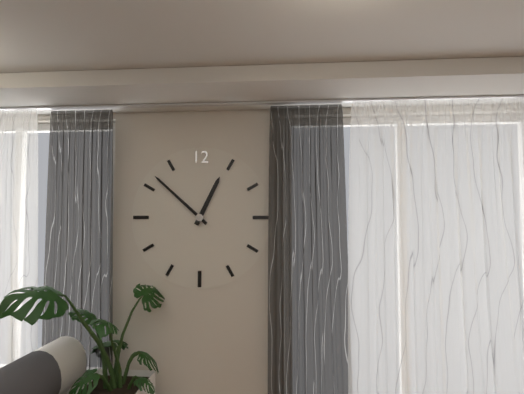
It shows {"hour": 12, "minute": 52}
